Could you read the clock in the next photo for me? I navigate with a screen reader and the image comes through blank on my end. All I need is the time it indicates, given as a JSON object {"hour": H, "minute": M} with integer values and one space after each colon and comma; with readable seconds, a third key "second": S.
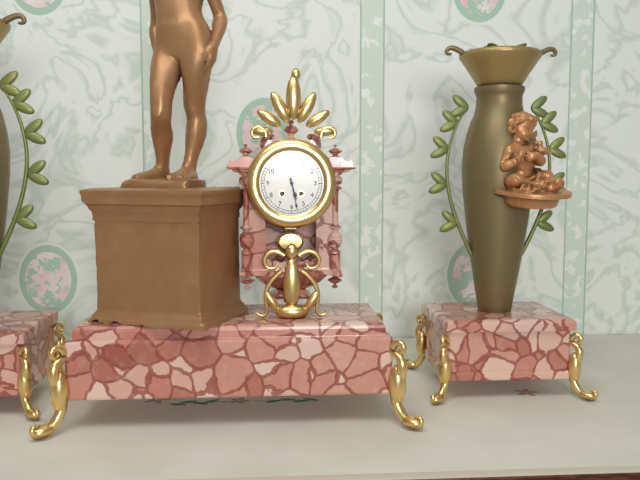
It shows {"hour": 5, "minute": 28}
